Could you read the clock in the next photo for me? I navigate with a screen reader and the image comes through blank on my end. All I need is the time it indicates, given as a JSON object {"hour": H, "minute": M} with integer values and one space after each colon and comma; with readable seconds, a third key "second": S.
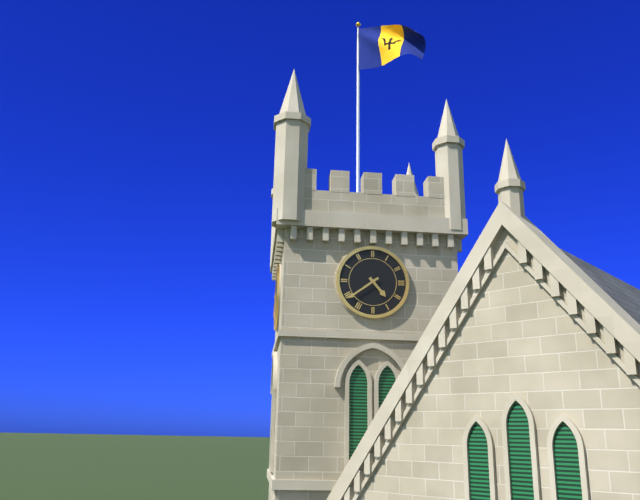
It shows {"hour": 4, "minute": 39}
